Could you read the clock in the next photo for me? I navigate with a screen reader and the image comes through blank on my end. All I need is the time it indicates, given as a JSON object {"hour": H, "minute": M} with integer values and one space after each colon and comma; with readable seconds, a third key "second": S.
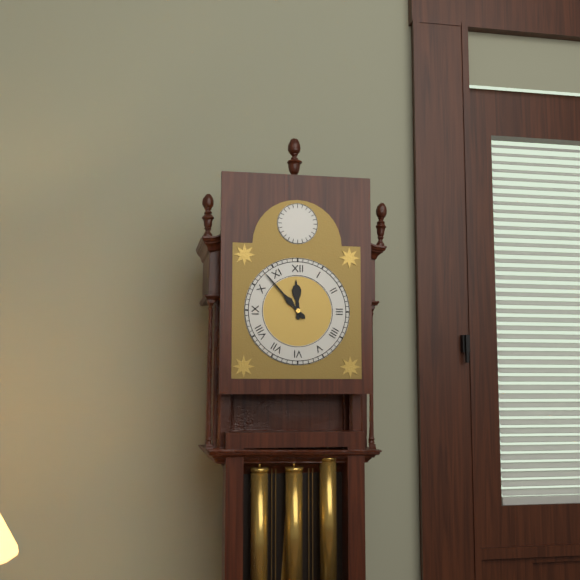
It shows {"hour": 11, "minute": 53}
